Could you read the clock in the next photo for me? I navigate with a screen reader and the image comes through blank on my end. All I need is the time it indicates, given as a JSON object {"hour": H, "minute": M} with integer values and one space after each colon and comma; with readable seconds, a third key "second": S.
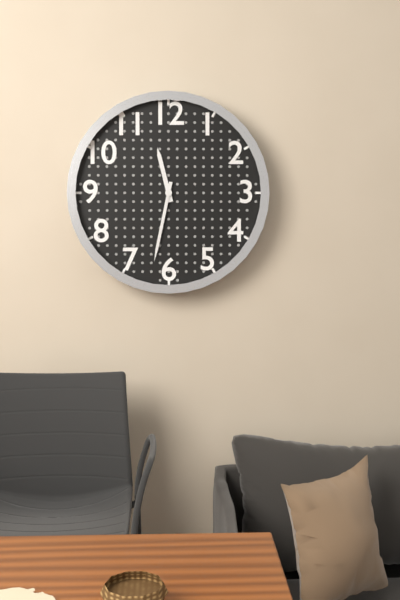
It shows {"hour": 11, "minute": 32}
